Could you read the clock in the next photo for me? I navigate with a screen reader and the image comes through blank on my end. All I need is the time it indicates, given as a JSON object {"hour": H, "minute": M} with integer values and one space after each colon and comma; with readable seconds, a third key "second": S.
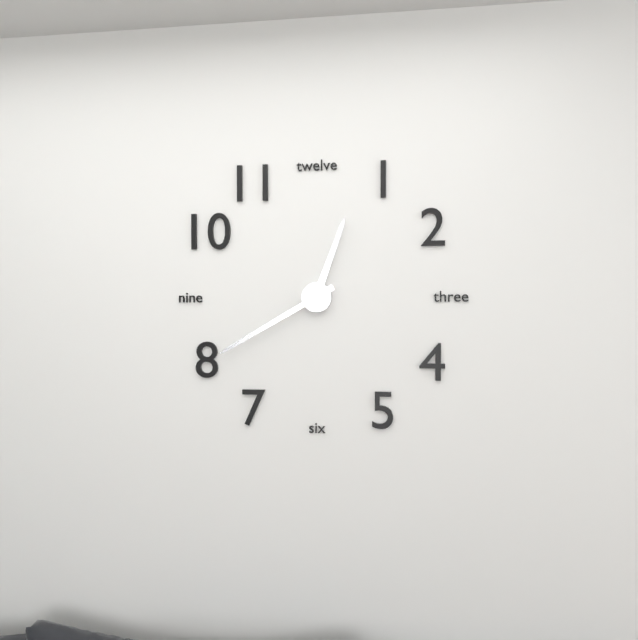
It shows {"hour": 12, "minute": 40}
